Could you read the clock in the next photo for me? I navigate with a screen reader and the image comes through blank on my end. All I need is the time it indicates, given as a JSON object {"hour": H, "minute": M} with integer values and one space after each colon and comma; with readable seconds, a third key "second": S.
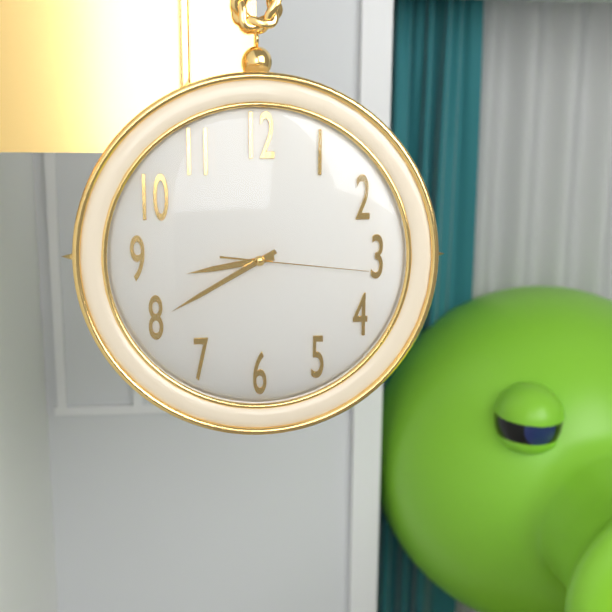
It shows {"hour": 8, "minute": 40, "second": 16}
